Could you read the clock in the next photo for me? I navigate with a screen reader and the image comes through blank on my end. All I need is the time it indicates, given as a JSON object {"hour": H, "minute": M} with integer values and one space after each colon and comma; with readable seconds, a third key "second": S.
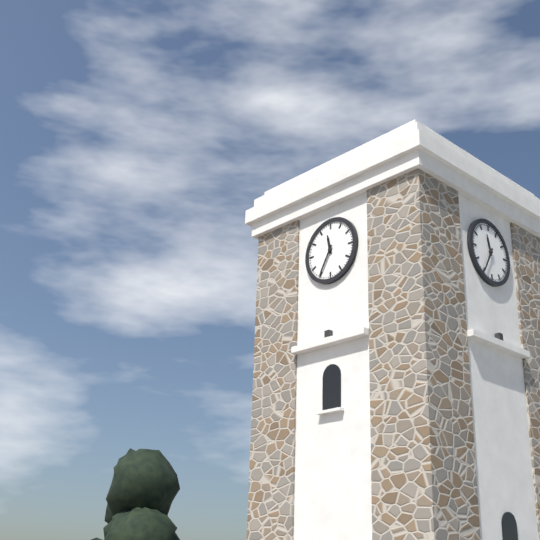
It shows {"hour": 11, "minute": 35}
